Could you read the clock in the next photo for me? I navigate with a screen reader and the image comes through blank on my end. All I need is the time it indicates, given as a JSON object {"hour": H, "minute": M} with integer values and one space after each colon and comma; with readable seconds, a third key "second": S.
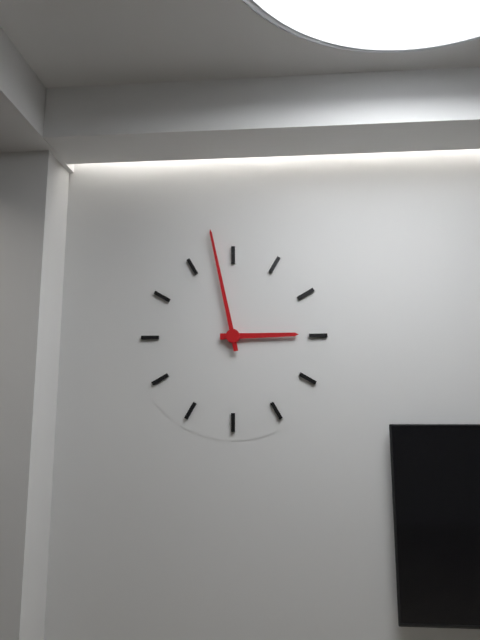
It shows {"hour": 2, "minute": 58}
